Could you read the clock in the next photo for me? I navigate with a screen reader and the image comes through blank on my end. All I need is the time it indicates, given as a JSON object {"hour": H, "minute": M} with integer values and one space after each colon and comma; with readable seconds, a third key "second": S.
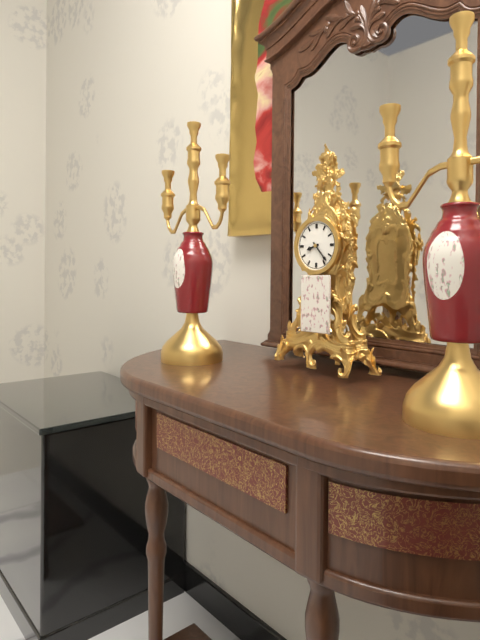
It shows {"hour": 8, "minute": 23}
